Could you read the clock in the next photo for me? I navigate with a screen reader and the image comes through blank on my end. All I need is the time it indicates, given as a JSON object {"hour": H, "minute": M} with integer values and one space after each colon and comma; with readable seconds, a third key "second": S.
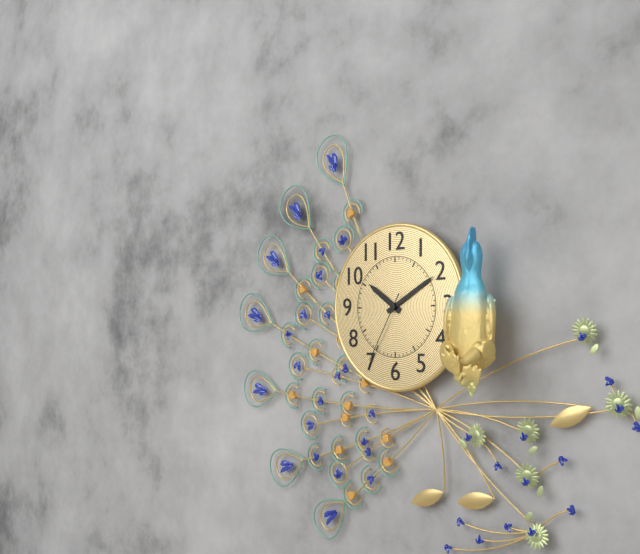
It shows {"hour": 10, "minute": 10, "second": 35}
